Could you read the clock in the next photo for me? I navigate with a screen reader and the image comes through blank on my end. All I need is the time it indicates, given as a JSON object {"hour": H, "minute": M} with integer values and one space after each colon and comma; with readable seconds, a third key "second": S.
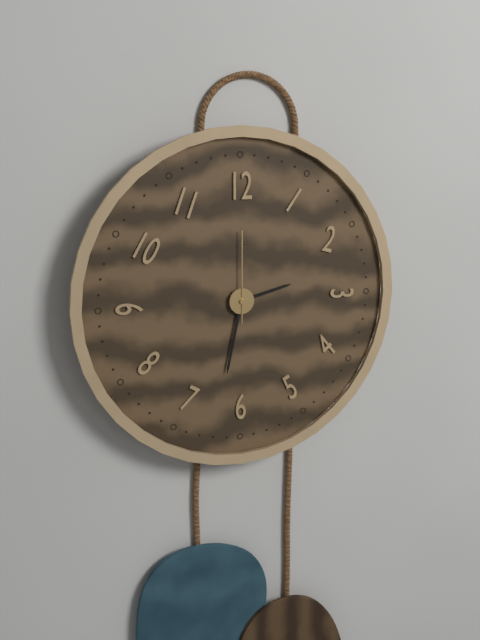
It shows {"hour": 2, "minute": 32, "second": 0}
